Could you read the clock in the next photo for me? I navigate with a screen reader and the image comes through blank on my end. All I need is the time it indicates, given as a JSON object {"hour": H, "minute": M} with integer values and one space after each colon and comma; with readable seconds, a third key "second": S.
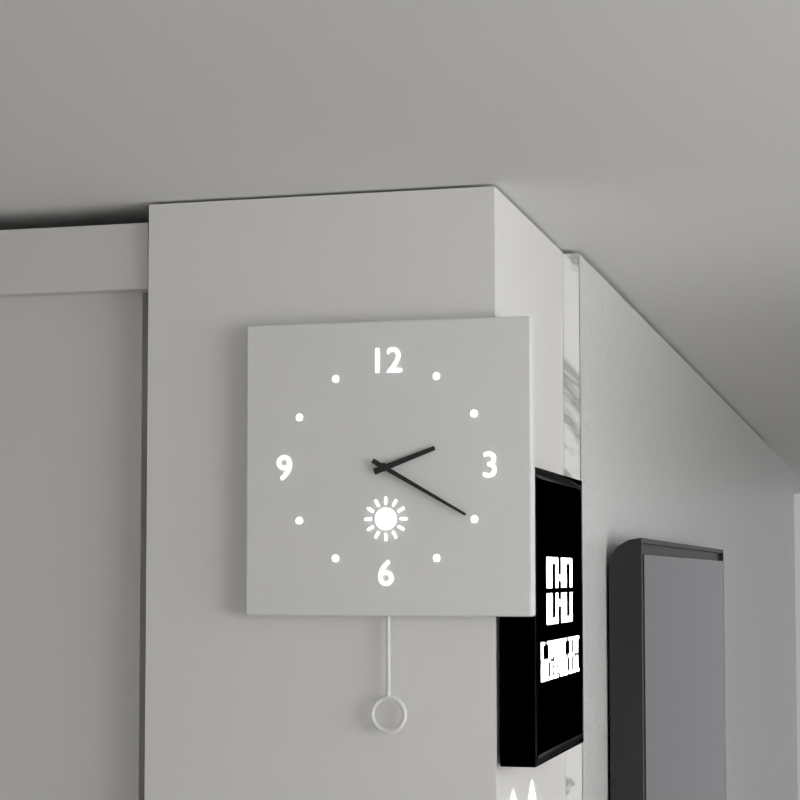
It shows {"hour": 2, "minute": 20}
